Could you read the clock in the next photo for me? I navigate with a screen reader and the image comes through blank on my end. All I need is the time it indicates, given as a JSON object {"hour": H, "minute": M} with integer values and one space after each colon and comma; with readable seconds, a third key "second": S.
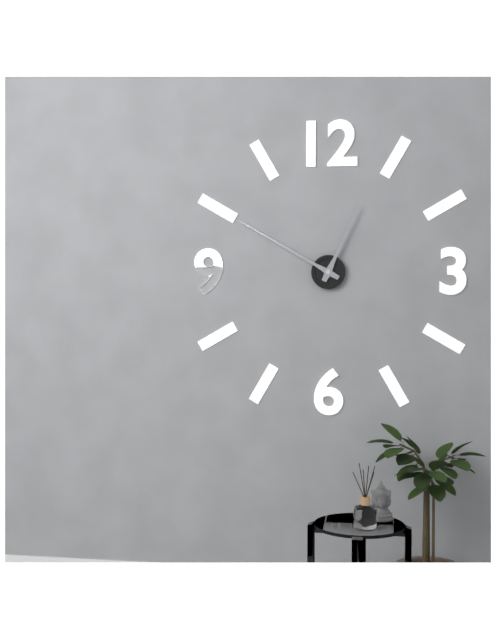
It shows {"hour": 12, "minute": 50}
